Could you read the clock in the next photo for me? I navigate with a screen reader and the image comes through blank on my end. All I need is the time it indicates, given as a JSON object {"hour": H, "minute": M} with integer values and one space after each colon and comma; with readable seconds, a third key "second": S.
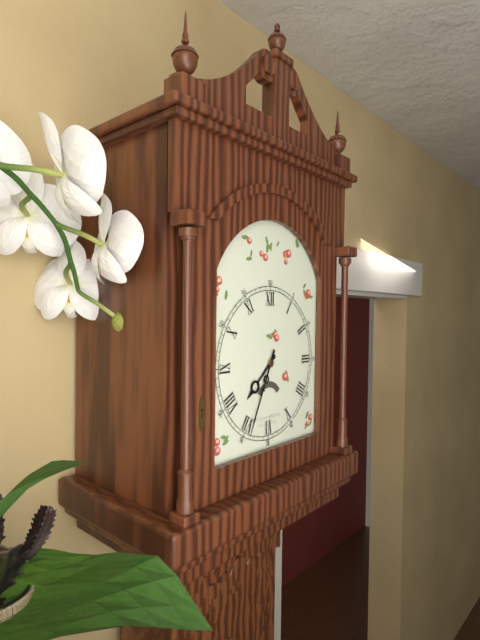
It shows {"hour": 7, "minute": 34}
